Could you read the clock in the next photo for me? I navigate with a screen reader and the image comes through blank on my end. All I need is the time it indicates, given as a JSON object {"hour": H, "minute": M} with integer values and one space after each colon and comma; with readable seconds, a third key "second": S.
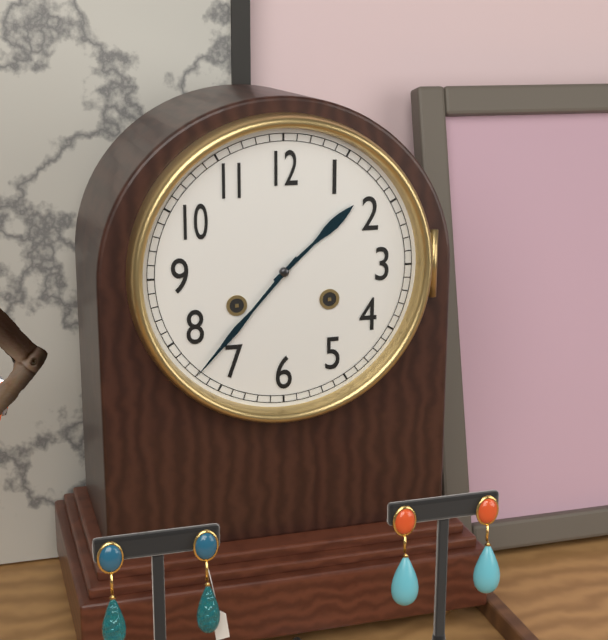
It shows {"hour": 1, "minute": 37}
